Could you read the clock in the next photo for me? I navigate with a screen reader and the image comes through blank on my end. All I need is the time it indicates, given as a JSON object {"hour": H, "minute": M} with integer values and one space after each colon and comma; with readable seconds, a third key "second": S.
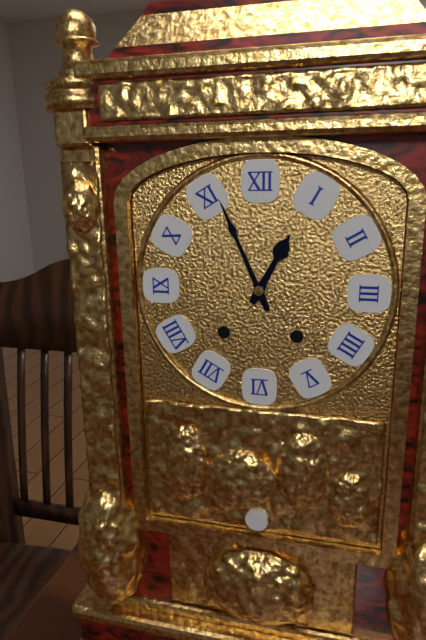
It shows {"hour": 12, "minute": 56}
